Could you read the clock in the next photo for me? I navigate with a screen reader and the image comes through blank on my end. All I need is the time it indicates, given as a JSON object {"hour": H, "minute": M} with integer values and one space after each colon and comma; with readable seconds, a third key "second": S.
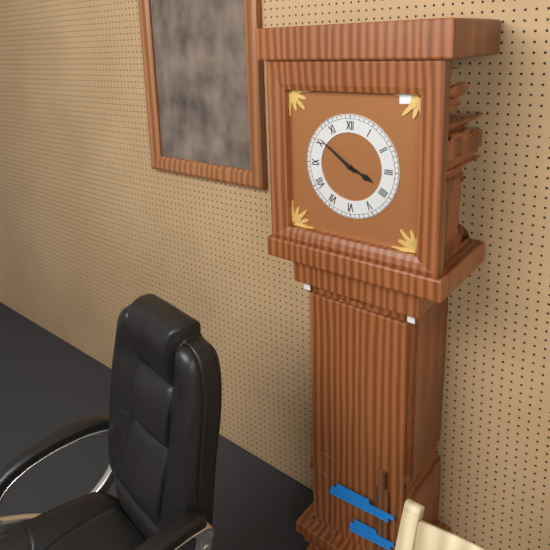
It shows {"hour": 3, "minute": 51}
